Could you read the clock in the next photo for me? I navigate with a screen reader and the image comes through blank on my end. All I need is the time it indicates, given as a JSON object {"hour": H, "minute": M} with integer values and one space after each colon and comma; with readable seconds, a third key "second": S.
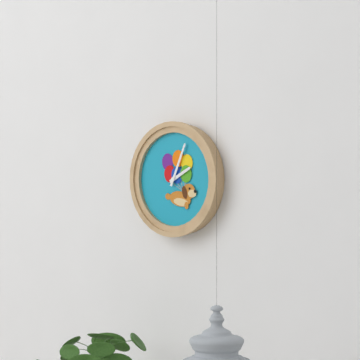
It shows {"hour": 2, "minute": 4}
